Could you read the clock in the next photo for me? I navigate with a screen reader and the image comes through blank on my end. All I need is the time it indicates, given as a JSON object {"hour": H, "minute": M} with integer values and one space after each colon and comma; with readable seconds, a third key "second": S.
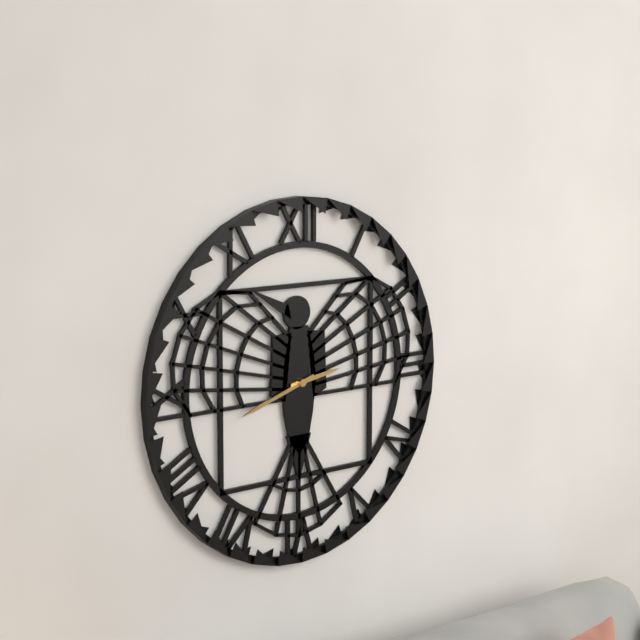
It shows {"hour": 2, "minute": 42}
